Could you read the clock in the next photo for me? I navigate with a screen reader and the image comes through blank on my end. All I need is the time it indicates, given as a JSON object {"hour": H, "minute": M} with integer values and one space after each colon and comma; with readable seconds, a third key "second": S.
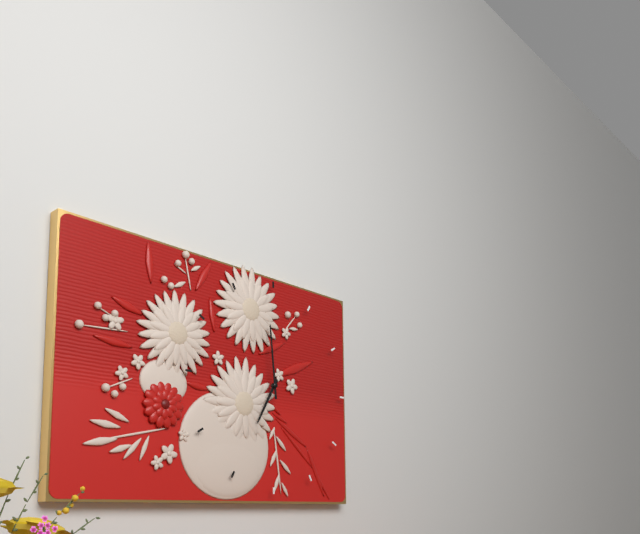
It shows {"hour": 6, "minute": 59}
